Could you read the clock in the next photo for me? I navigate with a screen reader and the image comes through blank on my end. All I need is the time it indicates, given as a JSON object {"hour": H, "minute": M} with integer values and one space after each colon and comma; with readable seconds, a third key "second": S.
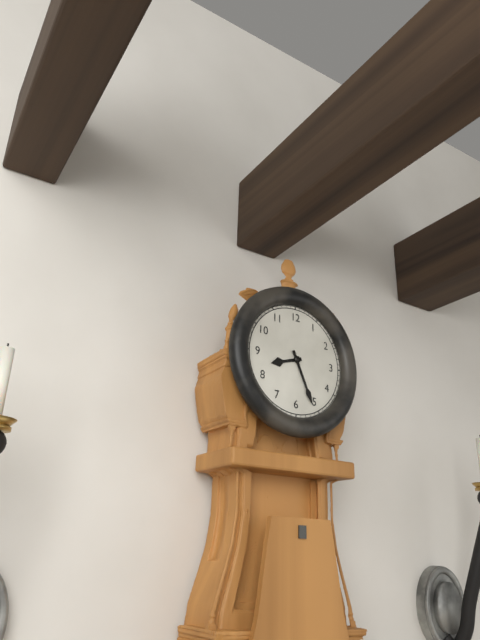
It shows {"hour": 8, "minute": 26}
